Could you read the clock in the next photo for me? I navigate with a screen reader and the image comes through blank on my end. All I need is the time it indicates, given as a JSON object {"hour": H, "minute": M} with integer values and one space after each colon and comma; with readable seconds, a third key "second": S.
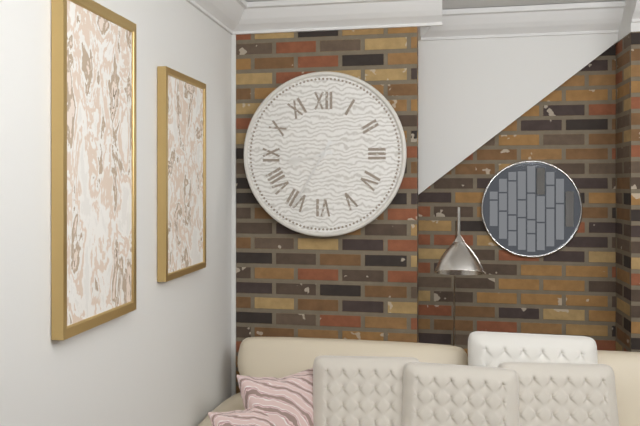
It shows {"hour": 8, "minute": 35}
